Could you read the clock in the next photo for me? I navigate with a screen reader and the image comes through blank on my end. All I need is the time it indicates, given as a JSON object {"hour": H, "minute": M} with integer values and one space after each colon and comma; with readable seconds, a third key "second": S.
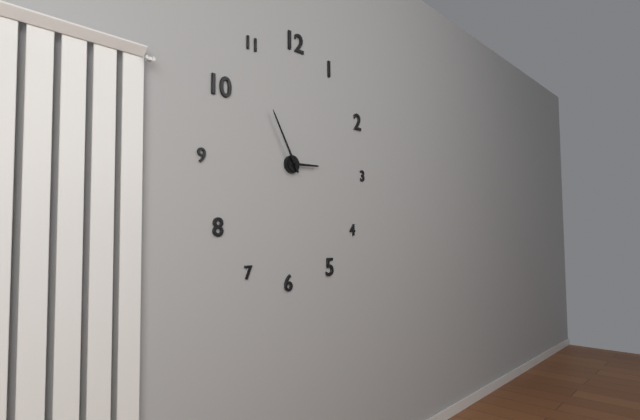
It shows {"hour": 2, "minute": 55}
